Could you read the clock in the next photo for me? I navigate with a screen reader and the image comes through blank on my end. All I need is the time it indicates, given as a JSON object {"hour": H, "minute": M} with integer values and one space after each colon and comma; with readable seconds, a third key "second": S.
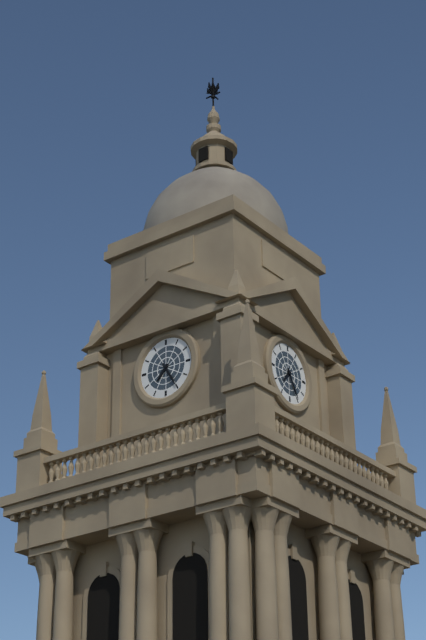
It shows {"hour": 7, "minute": 25}
